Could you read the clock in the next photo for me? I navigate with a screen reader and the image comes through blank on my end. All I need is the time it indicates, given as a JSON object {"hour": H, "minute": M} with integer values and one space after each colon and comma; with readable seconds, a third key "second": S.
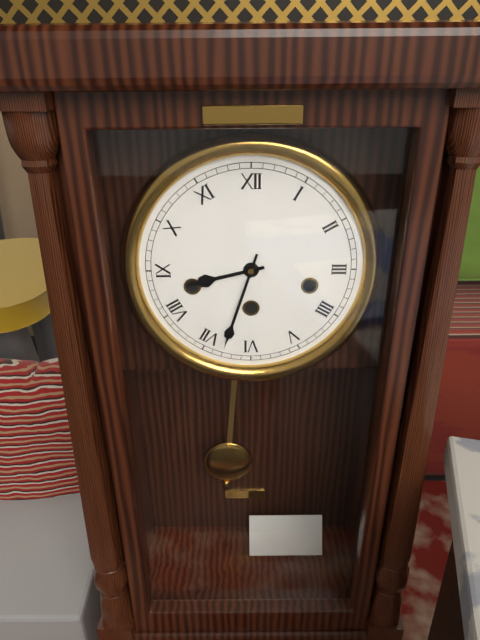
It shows {"hour": 8, "minute": 33}
